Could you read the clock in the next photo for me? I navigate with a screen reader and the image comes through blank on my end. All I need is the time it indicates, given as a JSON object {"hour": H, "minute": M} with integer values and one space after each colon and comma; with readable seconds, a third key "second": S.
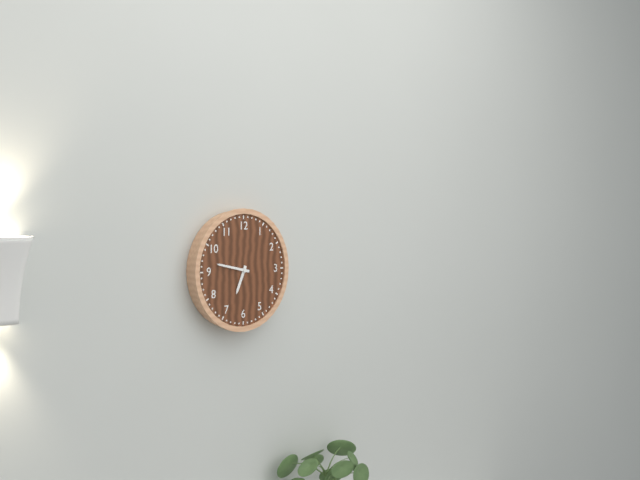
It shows {"hour": 6, "minute": 47}
